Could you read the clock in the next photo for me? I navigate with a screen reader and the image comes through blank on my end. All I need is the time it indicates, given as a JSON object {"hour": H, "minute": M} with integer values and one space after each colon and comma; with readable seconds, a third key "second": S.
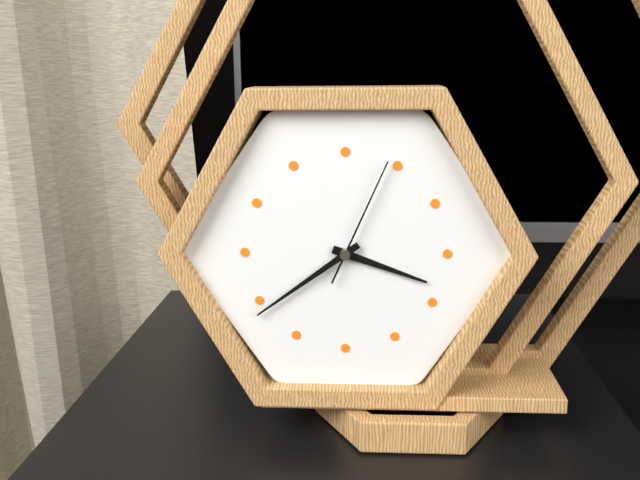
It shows {"hour": 3, "minute": 39, "second": 4}
